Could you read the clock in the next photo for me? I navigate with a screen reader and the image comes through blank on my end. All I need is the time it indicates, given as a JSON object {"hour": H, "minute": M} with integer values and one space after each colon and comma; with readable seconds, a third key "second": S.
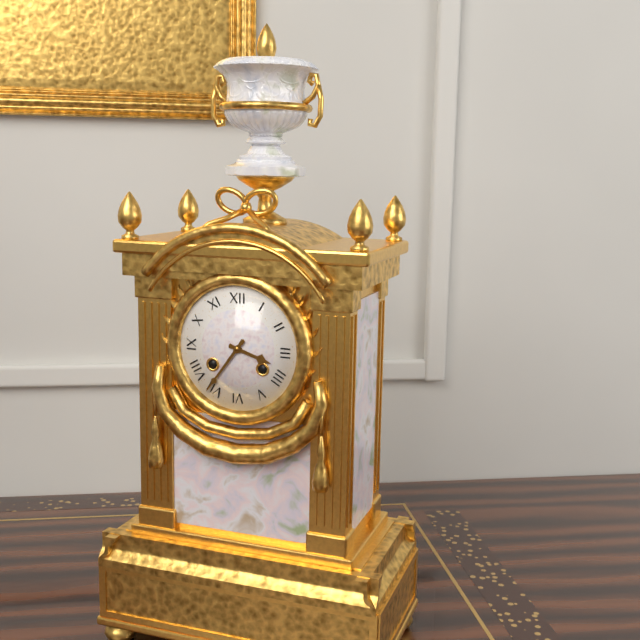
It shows {"hour": 3, "minute": 36}
